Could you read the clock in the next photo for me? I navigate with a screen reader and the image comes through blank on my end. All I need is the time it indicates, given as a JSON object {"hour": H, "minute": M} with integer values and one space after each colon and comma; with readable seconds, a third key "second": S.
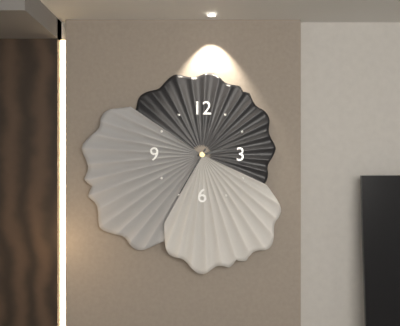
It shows {"hour": 2, "minute": 35}
